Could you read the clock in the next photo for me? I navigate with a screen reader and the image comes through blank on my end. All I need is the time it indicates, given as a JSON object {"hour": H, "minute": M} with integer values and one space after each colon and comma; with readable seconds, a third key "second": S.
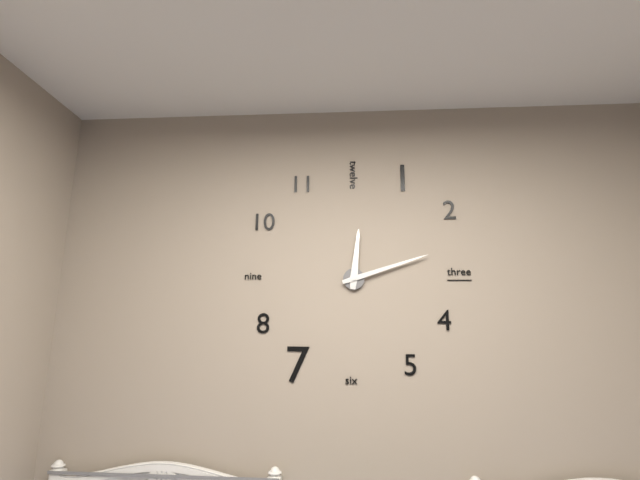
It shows {"hour": 12, "minute": 12}
